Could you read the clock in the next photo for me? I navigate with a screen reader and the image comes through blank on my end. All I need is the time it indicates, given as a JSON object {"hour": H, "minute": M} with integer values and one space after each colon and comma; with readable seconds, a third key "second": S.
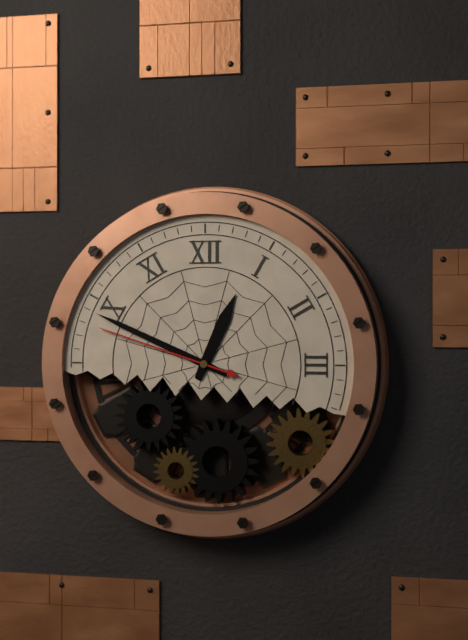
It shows {"hour": 12, "minute": 49, "second": 48}
